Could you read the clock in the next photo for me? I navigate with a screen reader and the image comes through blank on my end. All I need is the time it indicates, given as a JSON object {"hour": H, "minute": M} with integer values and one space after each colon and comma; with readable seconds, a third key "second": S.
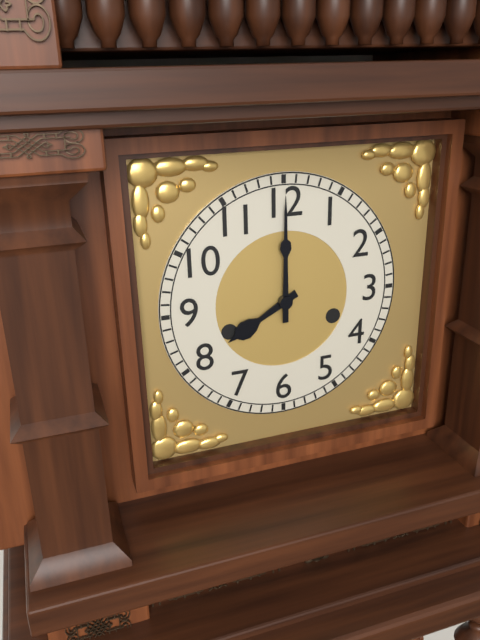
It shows {"hour": 8, "minute": 0}
